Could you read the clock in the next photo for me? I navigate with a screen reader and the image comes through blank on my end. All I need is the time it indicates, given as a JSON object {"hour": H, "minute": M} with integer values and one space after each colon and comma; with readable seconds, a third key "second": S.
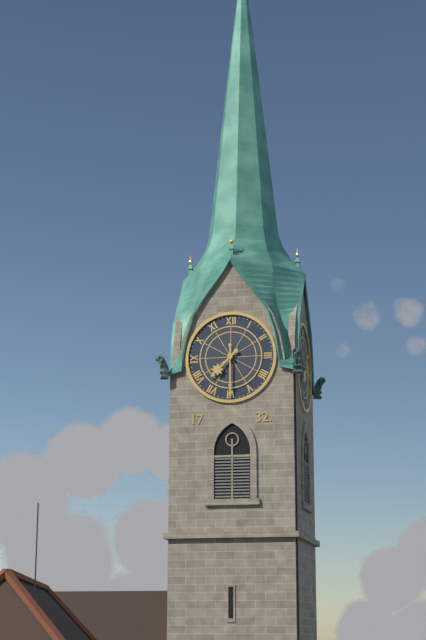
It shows {"hour": 7, "minute": 30}
